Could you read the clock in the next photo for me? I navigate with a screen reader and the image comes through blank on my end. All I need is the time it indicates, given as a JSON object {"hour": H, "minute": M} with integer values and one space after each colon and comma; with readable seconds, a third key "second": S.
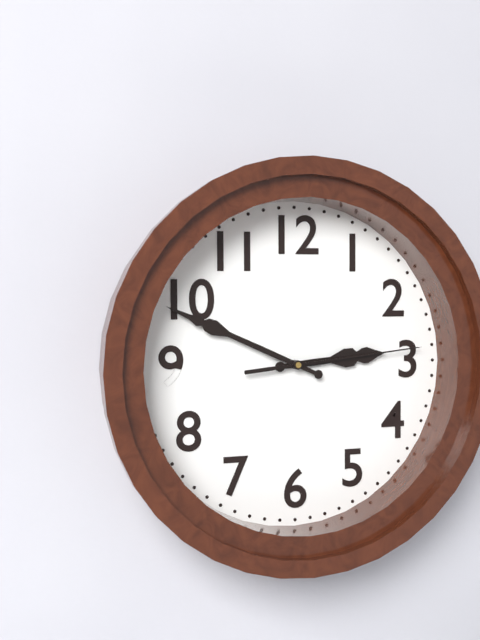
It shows {"hour": 2, "minute": 49, "second": 14}
